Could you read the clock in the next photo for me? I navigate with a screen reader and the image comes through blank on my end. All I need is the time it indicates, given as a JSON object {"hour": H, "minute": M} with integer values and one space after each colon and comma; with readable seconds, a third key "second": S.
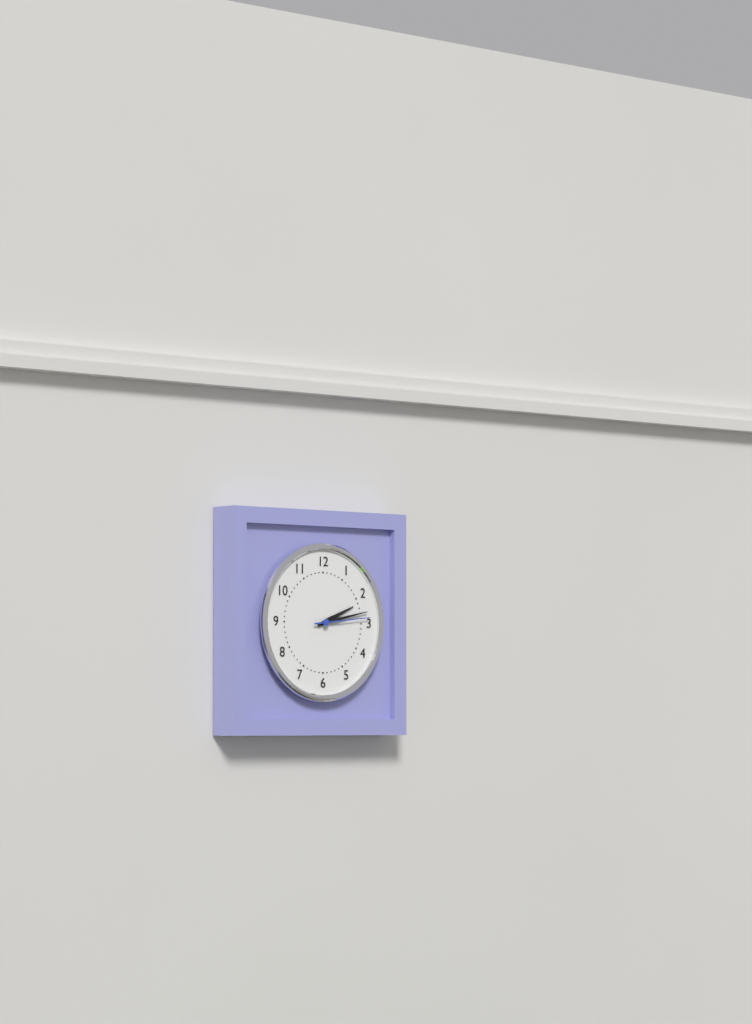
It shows {"hour": 2, "minute": 13, "second": 14}
